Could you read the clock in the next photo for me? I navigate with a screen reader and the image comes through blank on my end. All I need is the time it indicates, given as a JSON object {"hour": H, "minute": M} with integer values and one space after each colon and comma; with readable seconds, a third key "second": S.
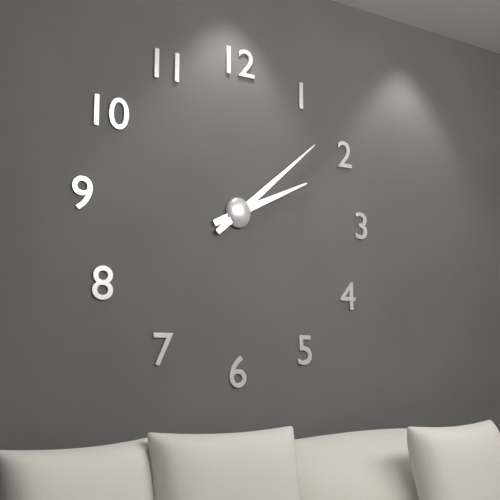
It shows {"hour": 2, "minute": 8}
